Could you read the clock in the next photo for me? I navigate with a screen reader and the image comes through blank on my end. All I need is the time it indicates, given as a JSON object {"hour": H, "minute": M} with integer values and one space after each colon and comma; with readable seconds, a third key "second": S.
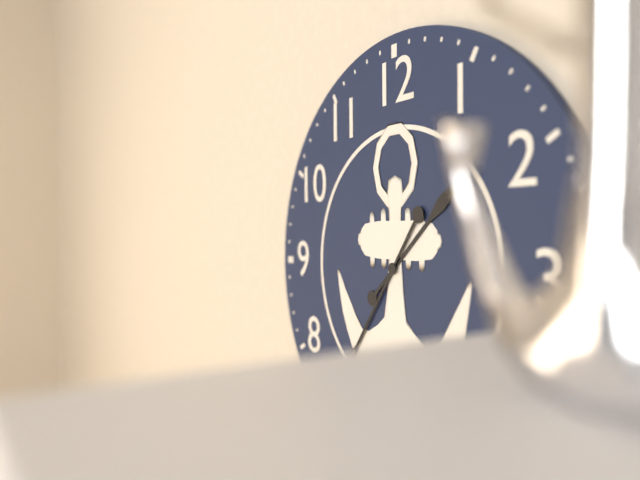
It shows {"hour": 1, "minute": 36}
